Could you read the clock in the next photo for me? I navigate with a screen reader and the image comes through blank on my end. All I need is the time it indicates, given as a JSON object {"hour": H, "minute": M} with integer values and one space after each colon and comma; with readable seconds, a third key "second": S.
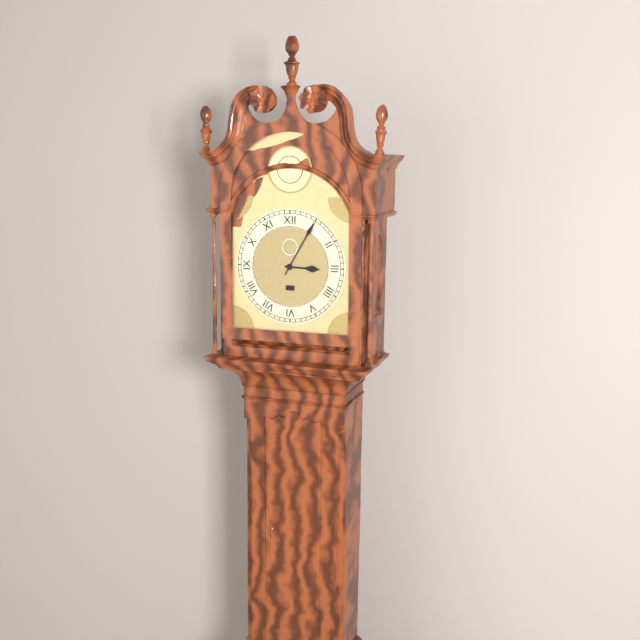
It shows {"hour": 3, "minute": 5}
